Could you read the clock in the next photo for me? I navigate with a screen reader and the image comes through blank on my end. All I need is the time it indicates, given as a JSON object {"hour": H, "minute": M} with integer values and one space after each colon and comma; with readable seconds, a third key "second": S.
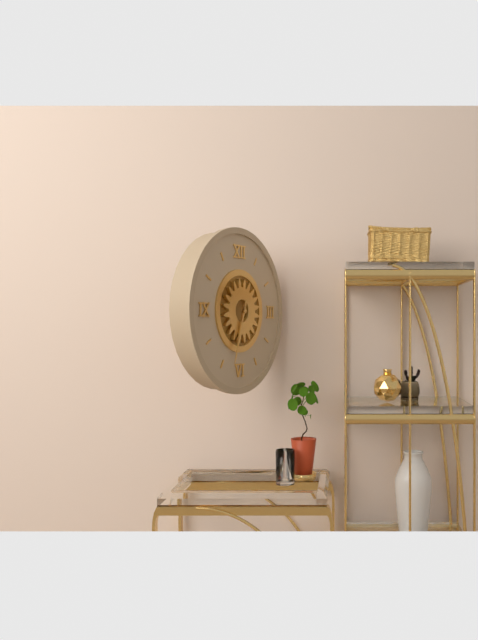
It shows {"hour": 6, "minute": 33}
